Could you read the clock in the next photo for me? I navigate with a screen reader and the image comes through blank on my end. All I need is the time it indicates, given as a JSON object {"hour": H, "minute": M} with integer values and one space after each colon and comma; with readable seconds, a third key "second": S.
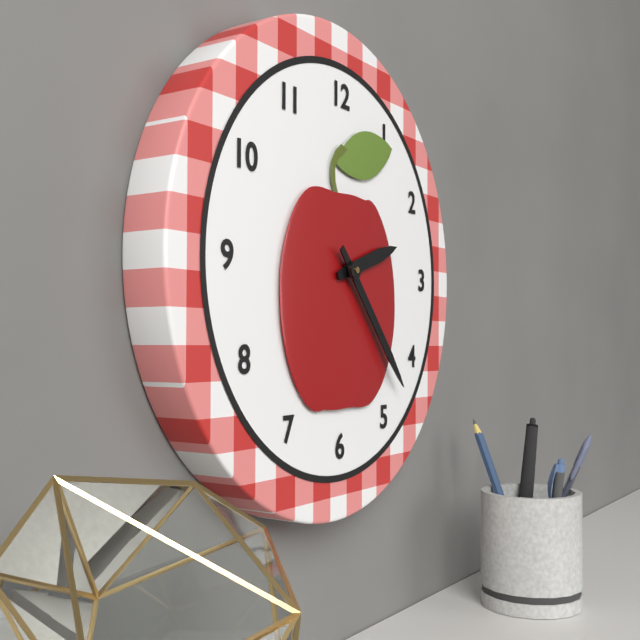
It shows {"hour": 2, "minute": 23}
